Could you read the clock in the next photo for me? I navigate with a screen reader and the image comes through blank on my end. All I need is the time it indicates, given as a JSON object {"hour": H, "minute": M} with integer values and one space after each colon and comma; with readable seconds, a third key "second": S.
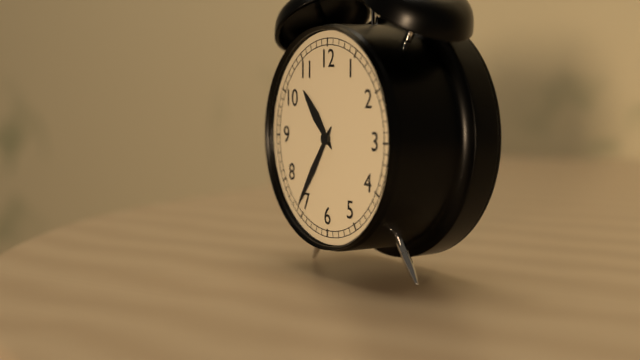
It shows {"hour": 10, "minute": 36}
